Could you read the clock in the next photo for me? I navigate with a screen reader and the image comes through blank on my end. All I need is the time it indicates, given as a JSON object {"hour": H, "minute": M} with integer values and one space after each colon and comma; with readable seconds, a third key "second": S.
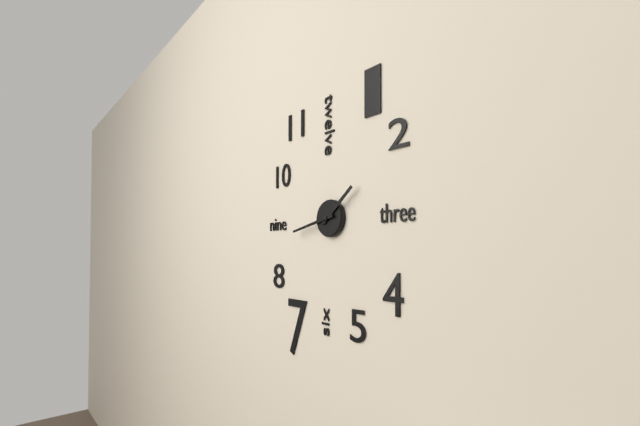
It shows {"hour": 1, "minute": 43}
